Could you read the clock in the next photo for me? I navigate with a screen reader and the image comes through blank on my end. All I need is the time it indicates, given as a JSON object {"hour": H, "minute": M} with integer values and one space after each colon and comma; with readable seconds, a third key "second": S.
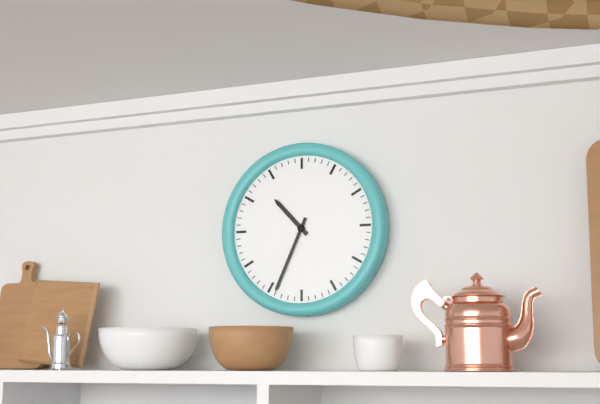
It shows {"hour": 10, "minute": 34}
